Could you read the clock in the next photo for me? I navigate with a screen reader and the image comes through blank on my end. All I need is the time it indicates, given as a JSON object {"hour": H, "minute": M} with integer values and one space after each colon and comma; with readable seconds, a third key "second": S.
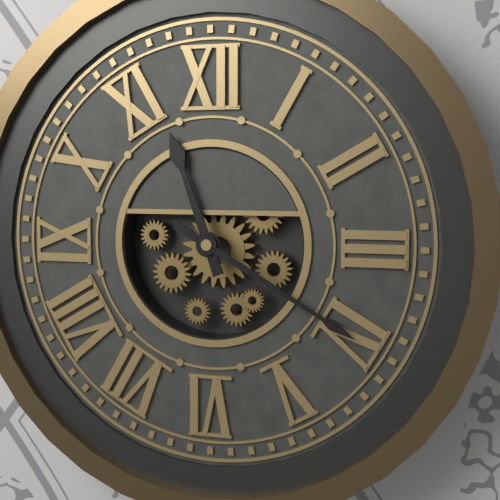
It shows {"hour": 11, "minute": 20}
